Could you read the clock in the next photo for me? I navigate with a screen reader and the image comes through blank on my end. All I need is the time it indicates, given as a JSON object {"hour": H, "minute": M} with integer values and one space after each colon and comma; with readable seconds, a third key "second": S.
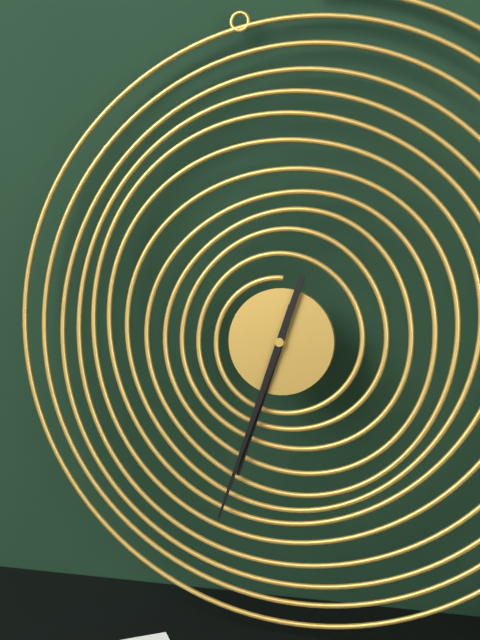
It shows {"hour": 6, "minute": 33}
